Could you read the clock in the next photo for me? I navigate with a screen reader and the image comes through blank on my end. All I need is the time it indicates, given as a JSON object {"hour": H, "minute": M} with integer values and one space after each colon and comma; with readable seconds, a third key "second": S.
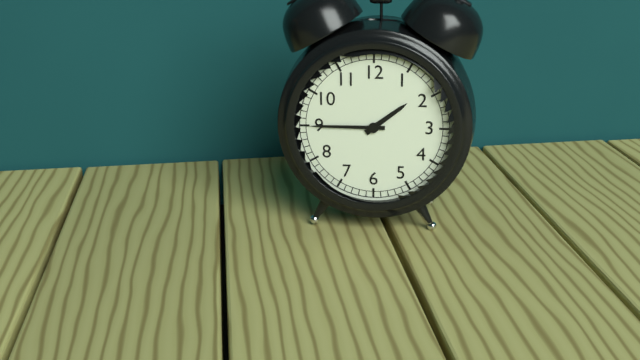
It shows {"hour": 1, "minute": 45}
